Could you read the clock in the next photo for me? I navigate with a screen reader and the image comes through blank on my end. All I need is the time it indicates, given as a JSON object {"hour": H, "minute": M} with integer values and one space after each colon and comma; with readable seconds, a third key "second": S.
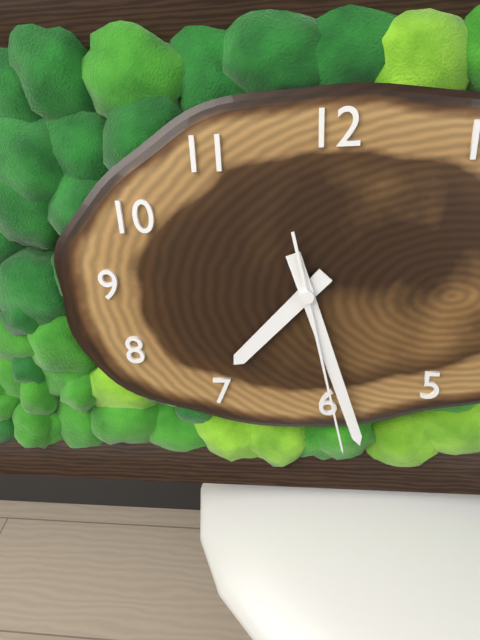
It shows {"hour": 7, "minute": 27, "second": 28}
